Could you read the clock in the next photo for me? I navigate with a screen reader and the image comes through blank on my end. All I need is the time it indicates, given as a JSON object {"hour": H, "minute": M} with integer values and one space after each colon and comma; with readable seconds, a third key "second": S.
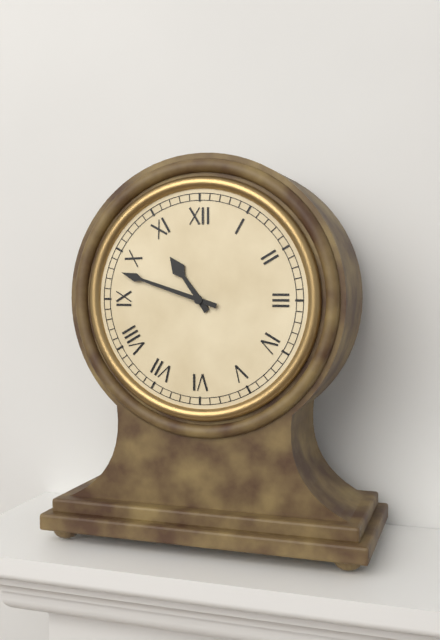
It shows {"hour": 10, "minute": 48}
